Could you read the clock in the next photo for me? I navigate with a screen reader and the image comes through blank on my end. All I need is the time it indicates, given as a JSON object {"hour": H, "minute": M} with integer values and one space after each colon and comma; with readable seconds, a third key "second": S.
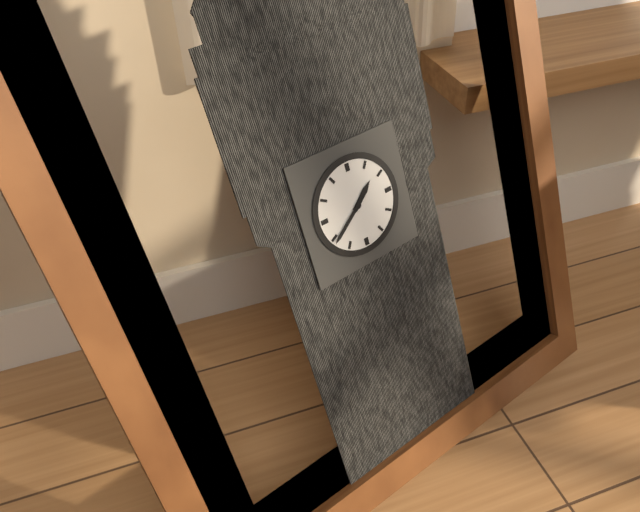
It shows {"hour": 1, "minute": 39}
